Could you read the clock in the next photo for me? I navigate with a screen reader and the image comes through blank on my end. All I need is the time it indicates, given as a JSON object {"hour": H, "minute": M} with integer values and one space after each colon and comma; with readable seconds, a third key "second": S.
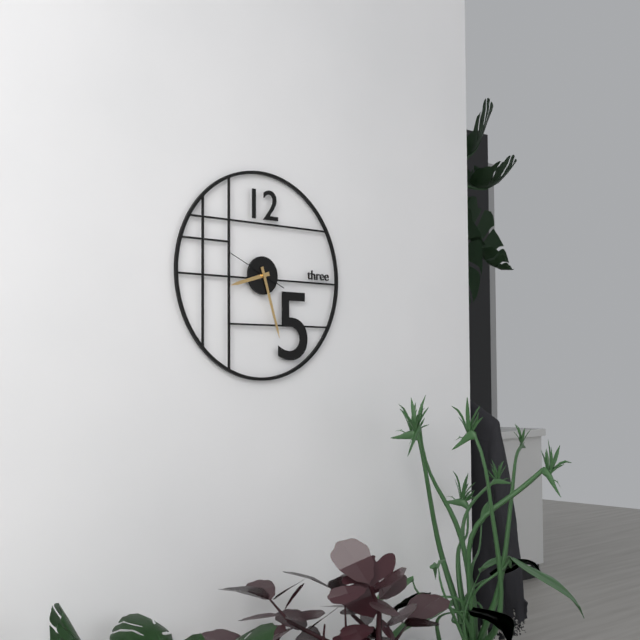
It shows {"hour": 8, "minute": 27, "second": 49}
